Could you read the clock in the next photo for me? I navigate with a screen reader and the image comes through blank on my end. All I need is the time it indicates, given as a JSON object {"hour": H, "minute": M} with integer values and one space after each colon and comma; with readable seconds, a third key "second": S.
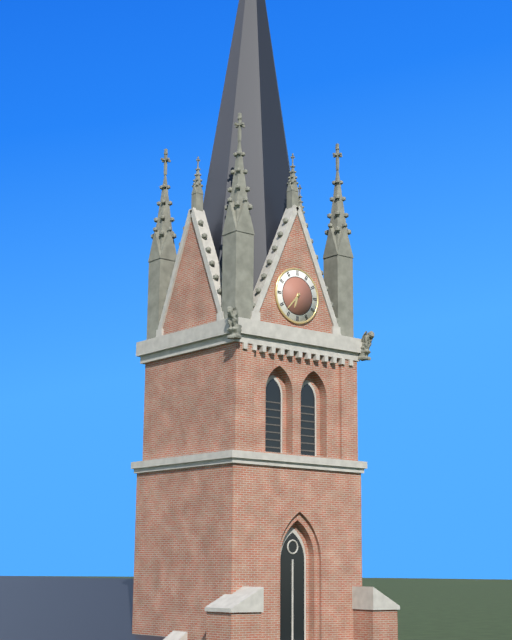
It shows {"hour": 6, "minute": 37}
